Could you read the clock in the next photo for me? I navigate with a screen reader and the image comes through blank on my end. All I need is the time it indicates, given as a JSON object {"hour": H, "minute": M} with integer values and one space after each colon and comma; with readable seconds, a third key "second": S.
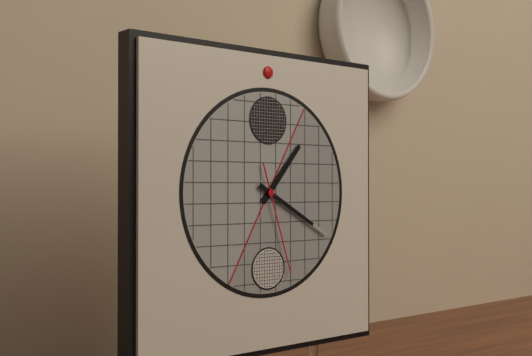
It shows {"hour": 1, "minute": 20, "second": 27}
